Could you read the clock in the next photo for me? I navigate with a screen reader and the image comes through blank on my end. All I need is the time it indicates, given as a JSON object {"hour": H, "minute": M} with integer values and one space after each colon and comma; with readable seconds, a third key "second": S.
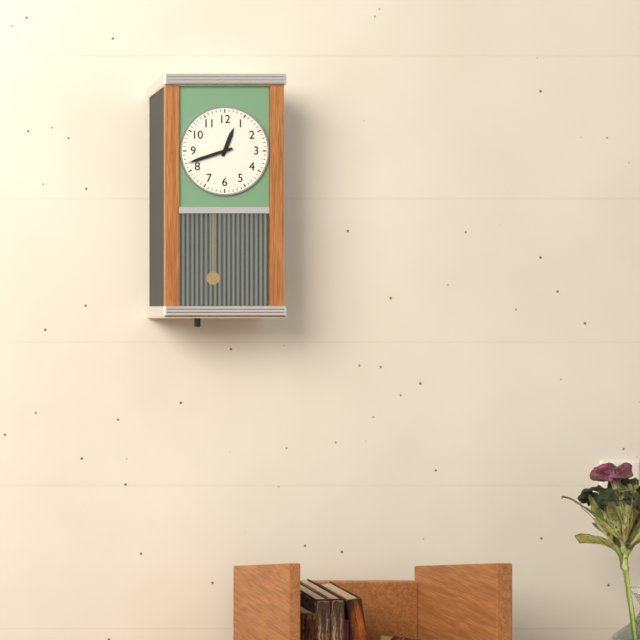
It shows {"hour": 12, "minute": 42}
